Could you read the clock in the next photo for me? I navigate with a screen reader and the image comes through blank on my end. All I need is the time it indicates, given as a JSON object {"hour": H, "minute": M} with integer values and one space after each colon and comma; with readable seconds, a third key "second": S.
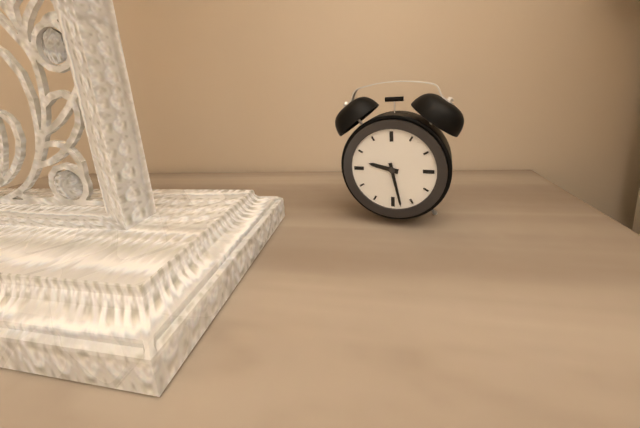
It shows {"hour": 9, "minute": 28}
